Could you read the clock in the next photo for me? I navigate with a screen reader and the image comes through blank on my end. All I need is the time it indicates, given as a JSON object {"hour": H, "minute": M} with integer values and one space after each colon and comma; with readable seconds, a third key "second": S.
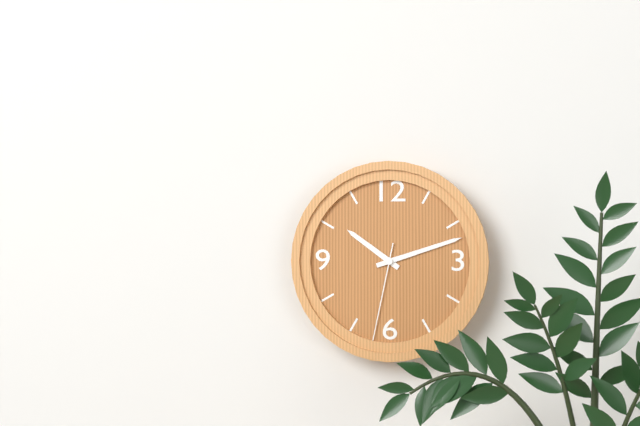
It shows {"hour": 10, "minute": 12, "second": 32}
